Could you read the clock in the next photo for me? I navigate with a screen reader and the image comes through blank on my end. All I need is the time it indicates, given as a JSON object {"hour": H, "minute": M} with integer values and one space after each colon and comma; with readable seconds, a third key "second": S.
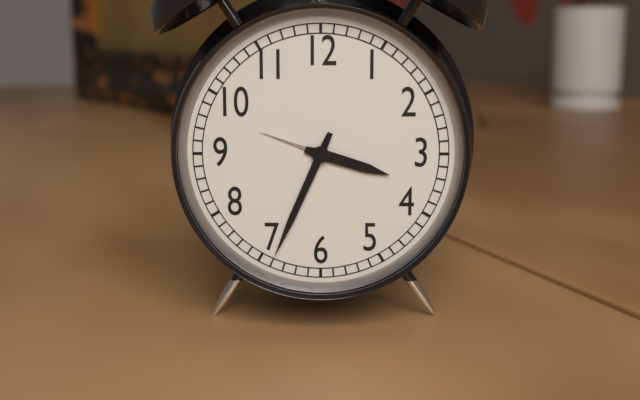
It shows {"hour": 3, "minute": 34}
